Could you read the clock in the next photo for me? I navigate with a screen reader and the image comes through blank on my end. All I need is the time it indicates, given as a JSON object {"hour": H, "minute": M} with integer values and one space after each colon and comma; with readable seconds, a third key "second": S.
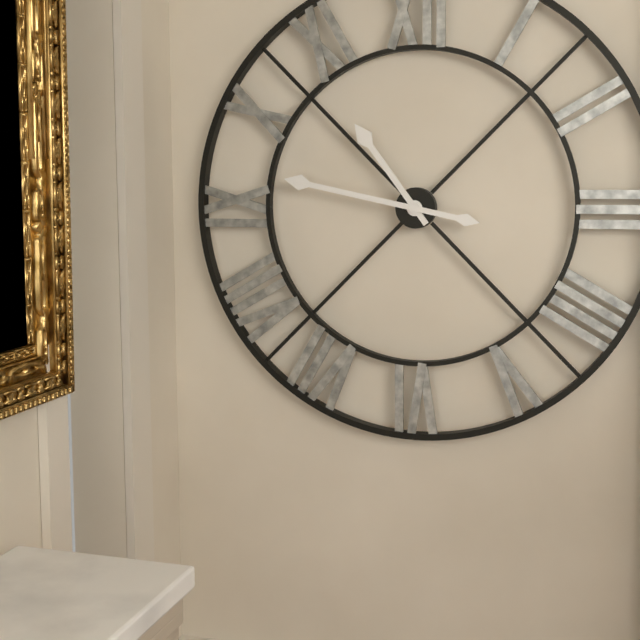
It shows {"hour": 10, "minute": 47}
